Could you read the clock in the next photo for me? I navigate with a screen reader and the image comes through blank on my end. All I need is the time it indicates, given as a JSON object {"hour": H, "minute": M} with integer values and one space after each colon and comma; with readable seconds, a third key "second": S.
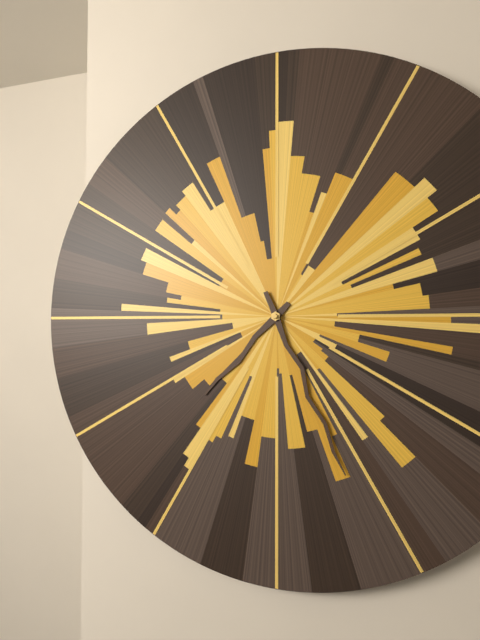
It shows {"hour": 7, "minute": 26}
